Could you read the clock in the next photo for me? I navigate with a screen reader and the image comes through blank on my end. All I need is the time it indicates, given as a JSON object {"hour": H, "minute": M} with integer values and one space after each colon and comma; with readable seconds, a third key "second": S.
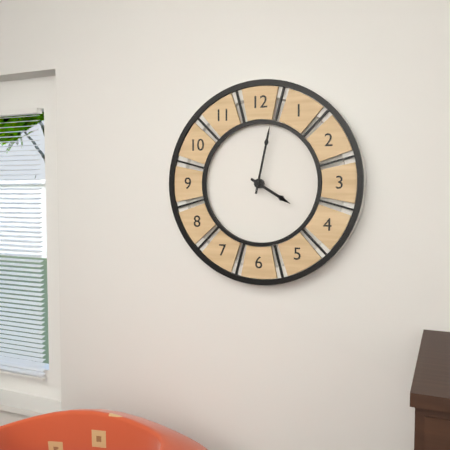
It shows {"hour": 4, "minute": 2}
